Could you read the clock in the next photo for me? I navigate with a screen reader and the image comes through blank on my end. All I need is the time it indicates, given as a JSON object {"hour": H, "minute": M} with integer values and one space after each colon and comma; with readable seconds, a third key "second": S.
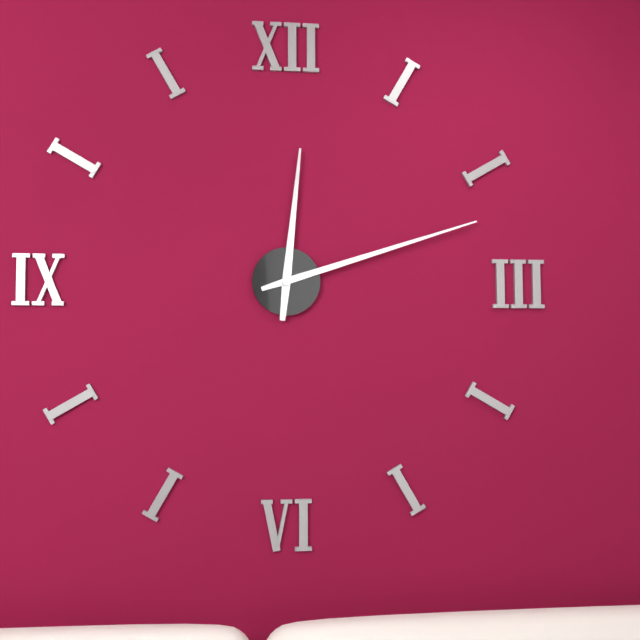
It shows {"hour": 12, "minute": 12}
